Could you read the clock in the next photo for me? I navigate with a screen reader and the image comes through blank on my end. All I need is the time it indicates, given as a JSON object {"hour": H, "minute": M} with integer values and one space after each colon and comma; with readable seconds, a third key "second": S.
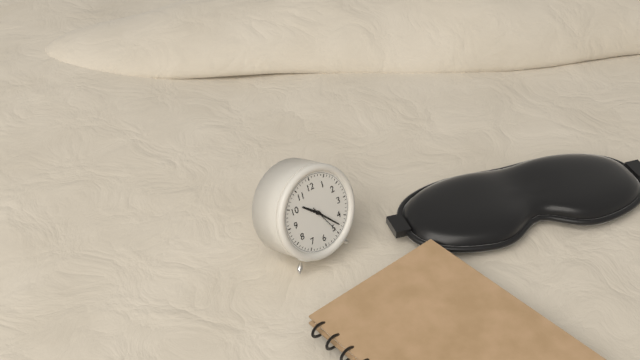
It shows {"hour": 10, "minute": 23}
